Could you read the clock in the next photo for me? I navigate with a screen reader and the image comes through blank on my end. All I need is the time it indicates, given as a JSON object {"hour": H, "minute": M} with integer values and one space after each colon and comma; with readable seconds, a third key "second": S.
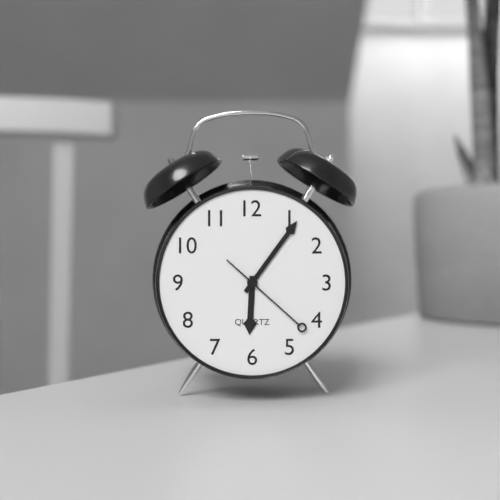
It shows {"hour": 6, "minute": 6, "second": 22}
